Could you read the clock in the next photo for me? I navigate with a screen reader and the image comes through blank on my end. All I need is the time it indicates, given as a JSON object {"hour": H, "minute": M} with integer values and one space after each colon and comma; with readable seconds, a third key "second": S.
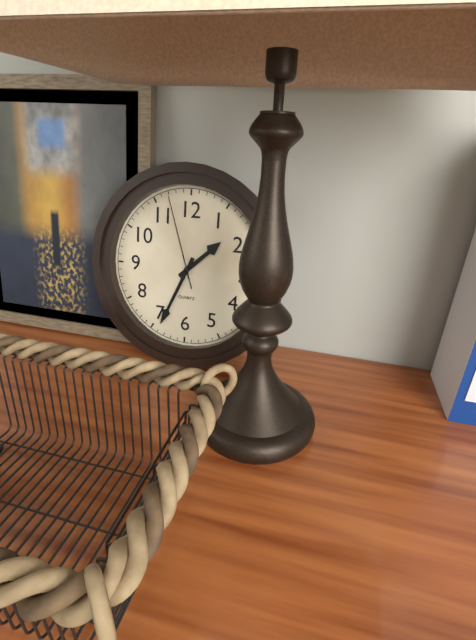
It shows {"hour": 1, "minute": 34, "second": 57}
